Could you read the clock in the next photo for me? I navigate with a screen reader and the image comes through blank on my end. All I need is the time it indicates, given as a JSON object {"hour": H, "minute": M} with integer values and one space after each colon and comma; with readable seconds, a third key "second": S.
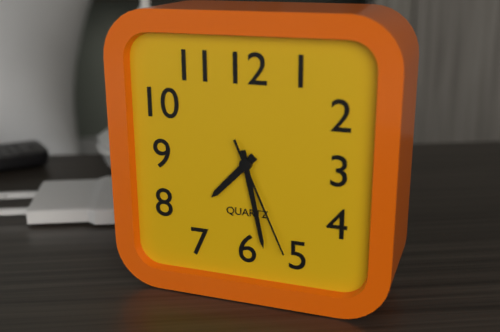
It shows {"hour": 7, "minute": 28, "second": 26}
